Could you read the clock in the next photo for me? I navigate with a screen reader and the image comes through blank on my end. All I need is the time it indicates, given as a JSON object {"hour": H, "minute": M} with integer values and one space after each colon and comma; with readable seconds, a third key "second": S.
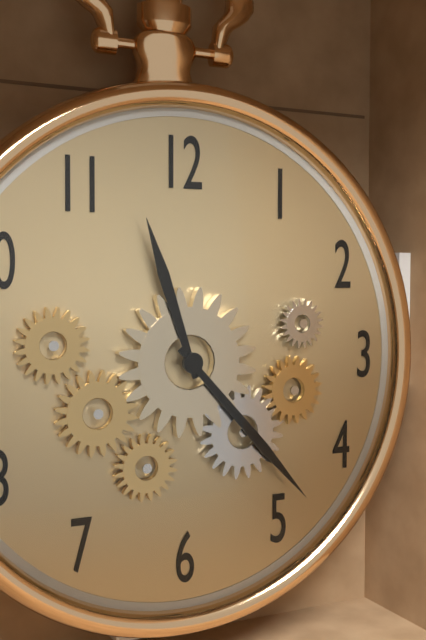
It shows {"hour": 11, "minute": 23}
